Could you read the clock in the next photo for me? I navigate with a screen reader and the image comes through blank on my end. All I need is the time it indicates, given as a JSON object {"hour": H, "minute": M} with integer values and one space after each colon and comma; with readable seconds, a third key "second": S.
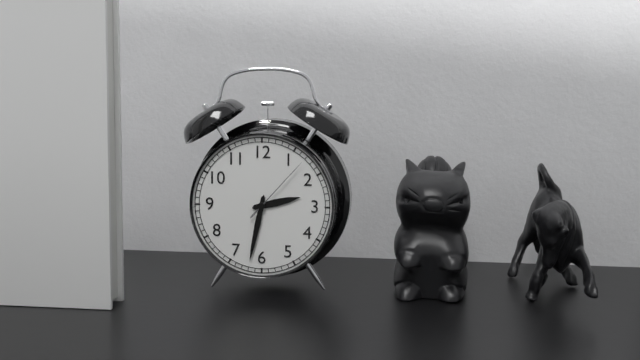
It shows {"hour": 2, "minute": 32, "second": 7}
